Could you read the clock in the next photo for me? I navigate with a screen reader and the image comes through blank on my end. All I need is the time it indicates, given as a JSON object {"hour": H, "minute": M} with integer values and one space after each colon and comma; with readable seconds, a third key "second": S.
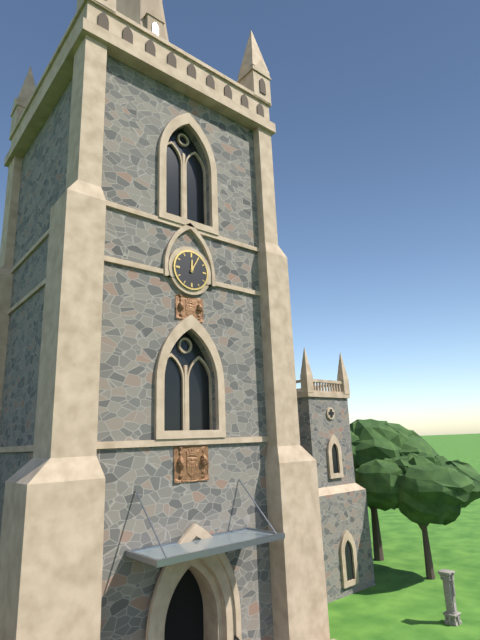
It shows {"hour": 12, "minute": 5}
